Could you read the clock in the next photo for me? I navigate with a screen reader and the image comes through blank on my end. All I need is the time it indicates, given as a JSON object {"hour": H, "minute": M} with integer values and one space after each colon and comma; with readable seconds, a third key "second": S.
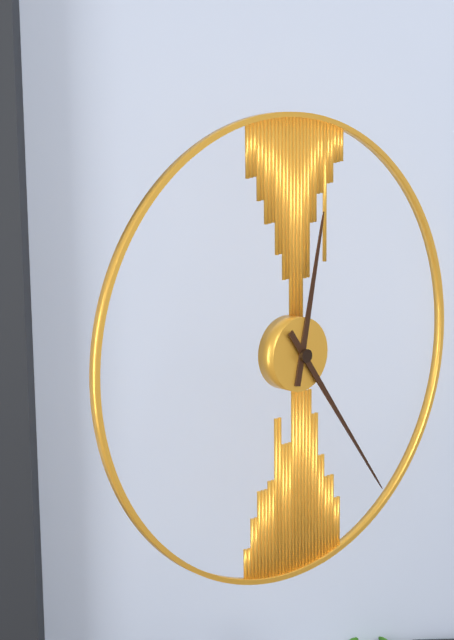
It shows {"hour": 12, "minute": 24}
